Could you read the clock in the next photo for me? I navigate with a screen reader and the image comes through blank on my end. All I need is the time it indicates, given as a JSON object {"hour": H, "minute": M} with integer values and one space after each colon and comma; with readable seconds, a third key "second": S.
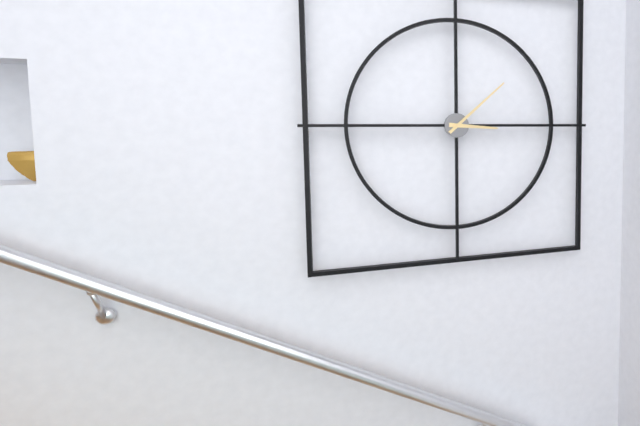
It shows {"hour": 3, "minute": 8}
